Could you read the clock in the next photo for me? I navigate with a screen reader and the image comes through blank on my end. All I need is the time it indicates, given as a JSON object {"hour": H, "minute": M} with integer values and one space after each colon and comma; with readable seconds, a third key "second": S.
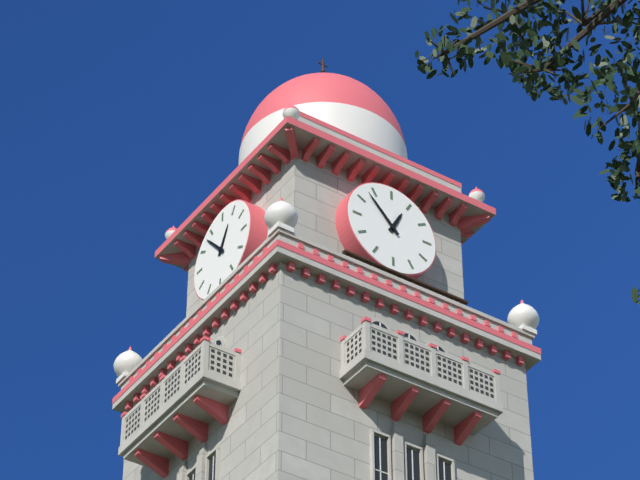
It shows {"hour": 12, "minute": 53}
